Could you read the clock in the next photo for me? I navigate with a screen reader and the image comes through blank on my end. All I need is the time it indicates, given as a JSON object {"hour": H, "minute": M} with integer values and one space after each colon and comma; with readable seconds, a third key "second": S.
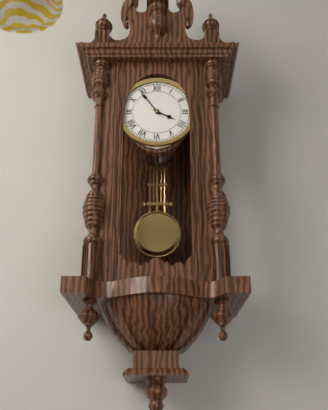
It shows {"hour": 3, "minute": 54}
